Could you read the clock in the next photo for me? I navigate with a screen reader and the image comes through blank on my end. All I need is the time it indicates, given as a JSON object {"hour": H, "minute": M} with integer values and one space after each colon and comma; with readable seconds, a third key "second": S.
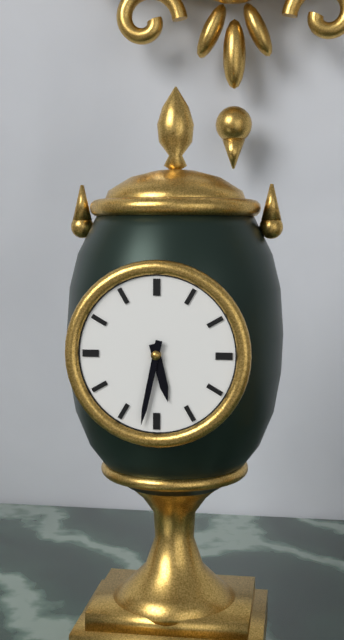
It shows {"hour": 5, "minute": 32}
